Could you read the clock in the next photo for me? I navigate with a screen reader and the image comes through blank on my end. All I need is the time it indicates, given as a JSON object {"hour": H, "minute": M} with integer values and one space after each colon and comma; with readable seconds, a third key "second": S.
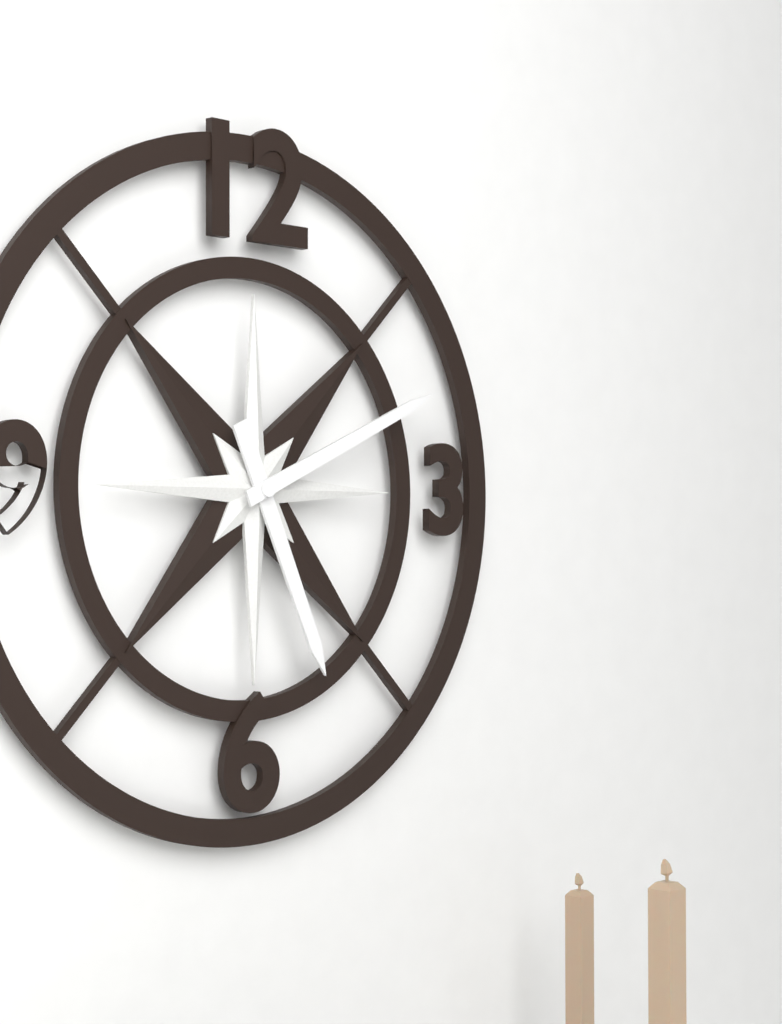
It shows {"hour": 5, "minute": 11}
